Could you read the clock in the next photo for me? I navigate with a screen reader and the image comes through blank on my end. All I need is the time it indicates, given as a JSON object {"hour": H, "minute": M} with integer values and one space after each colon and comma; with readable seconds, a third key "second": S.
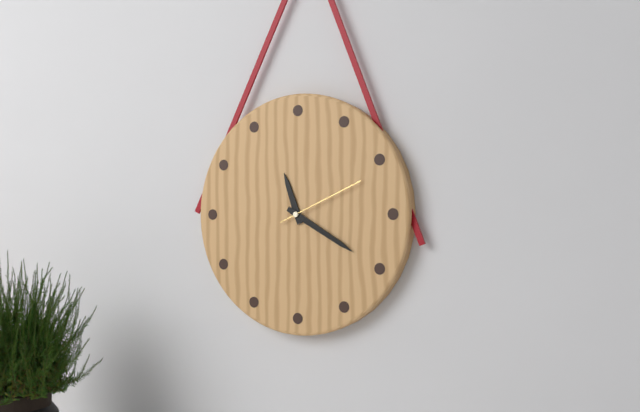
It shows {"hour": 11, "minute": 20, "second": 11}
